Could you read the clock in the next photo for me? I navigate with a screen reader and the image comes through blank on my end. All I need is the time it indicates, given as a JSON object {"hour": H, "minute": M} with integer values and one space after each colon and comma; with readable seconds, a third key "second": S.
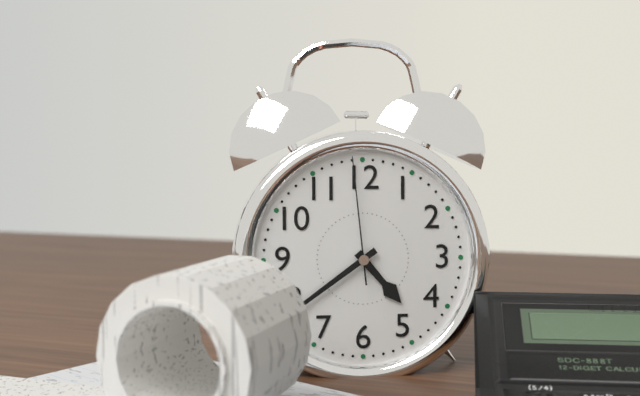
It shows {"hour": 4, "minute": 39, "second": 59}
